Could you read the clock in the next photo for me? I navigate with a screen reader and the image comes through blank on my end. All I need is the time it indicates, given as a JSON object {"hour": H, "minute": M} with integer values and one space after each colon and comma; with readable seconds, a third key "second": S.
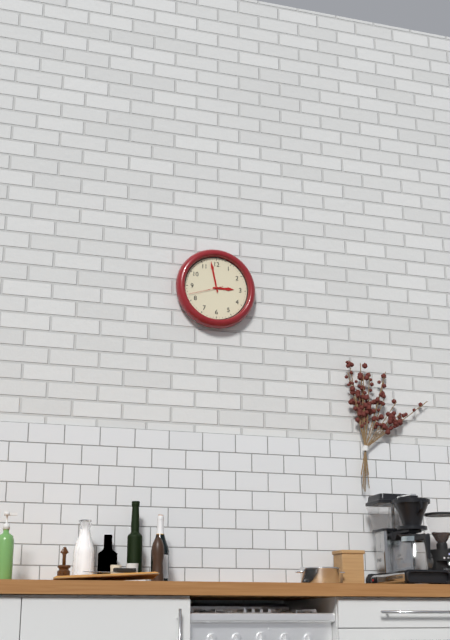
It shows {"hour": 2, "minute": 58}
